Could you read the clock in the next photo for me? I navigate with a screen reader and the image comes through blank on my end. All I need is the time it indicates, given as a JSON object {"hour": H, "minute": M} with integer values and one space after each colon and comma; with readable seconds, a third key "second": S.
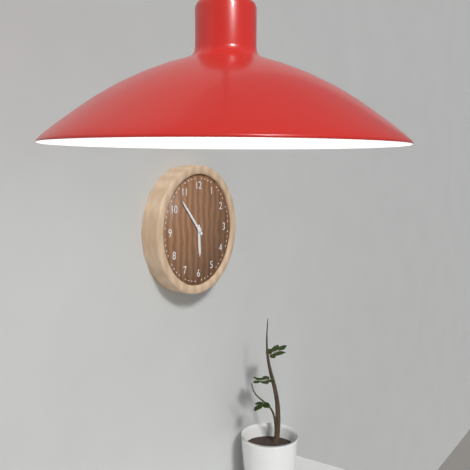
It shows {"hour": 5, "minute": 53}
